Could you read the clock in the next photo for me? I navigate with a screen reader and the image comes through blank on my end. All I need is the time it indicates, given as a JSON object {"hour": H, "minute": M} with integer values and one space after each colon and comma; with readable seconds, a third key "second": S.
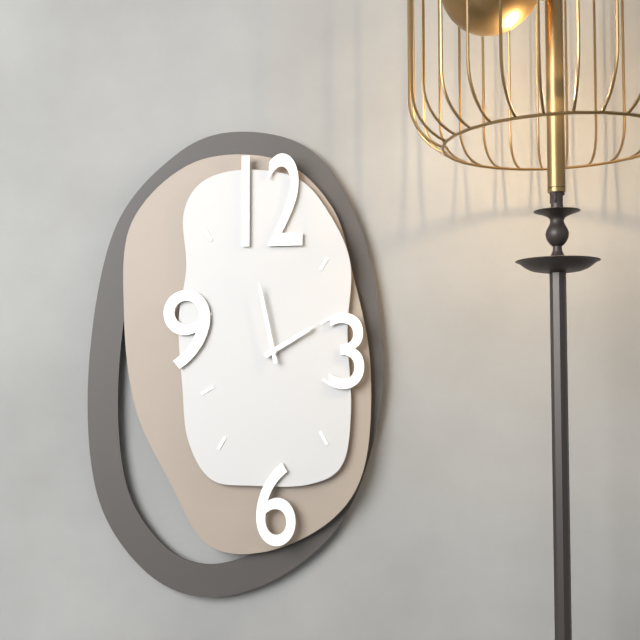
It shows {"hour": 1, "minute": 58}
